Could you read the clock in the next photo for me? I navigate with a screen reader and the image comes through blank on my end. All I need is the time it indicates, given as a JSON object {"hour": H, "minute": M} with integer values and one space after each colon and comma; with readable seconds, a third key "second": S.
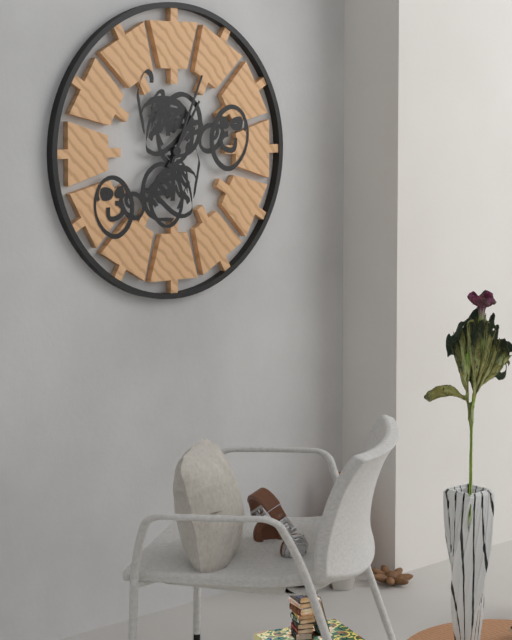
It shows {"hour": 1, "minute": 4}
